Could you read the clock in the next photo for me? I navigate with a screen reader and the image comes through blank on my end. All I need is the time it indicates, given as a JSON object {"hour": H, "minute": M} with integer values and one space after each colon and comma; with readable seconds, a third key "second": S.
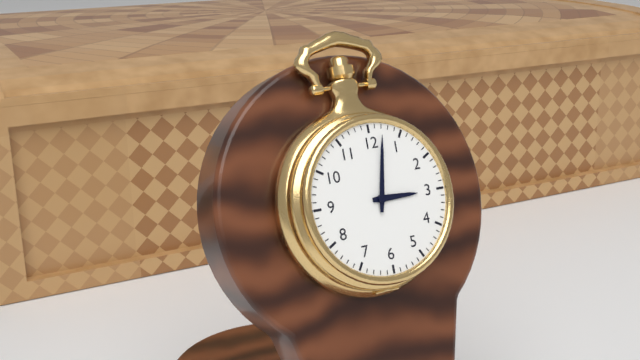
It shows {"hour": 3, "minute": 2}
